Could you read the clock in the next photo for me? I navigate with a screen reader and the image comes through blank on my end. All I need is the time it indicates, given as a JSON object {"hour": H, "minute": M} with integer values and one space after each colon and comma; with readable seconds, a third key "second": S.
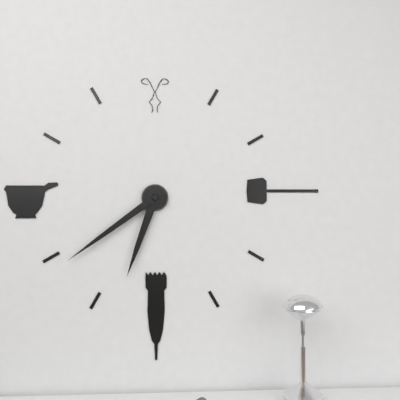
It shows {"hour": 6, "minute": 39}
